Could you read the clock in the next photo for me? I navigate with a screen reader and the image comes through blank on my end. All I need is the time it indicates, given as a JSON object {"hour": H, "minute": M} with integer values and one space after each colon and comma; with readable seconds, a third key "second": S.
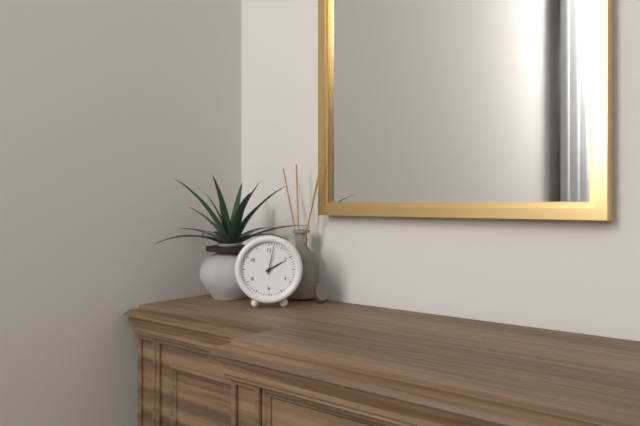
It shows {"hour": 2, "minute": 2}
